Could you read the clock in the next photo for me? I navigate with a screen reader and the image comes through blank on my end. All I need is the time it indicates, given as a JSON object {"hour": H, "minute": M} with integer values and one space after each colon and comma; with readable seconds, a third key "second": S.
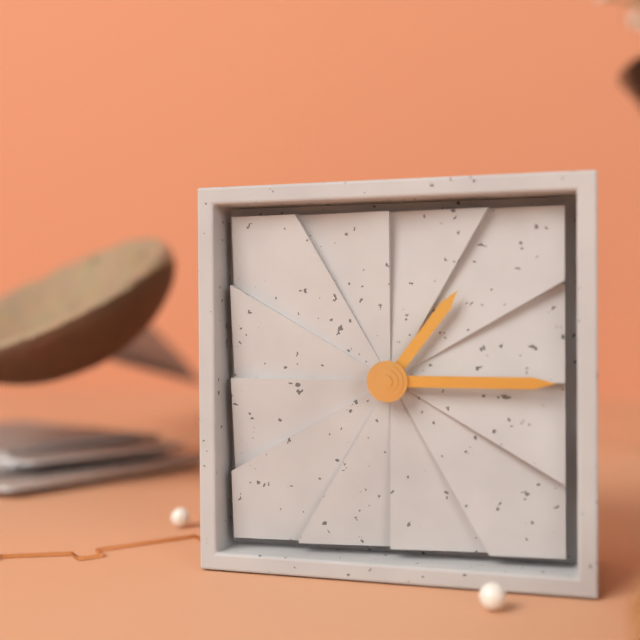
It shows {"hour": 1, "minute": 15}
